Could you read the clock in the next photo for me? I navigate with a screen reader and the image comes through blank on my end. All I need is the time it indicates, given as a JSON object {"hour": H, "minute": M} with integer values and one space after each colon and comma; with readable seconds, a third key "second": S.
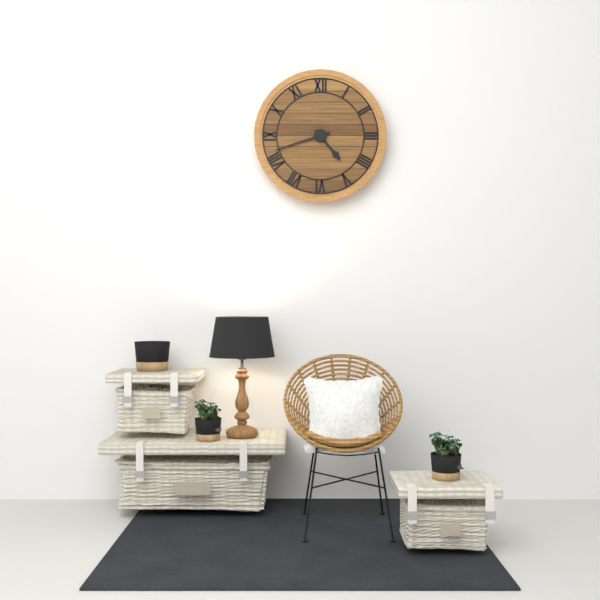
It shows {"hour": 4, "minute": 42}
